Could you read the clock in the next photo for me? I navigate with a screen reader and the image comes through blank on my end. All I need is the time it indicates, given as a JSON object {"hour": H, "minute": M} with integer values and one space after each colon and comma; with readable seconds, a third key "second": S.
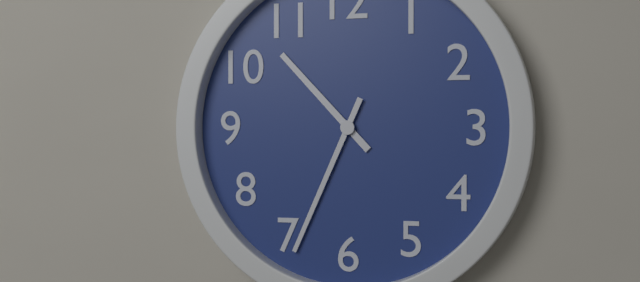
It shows {"hour": 10, "minute": 34}
